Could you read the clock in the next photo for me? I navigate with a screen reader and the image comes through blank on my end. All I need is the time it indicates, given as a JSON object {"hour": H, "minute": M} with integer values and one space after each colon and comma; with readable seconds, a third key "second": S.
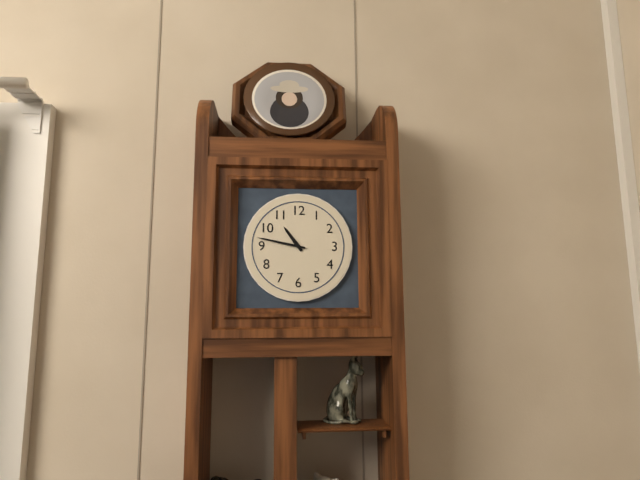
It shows {"hour": 10, "minute": 47}
